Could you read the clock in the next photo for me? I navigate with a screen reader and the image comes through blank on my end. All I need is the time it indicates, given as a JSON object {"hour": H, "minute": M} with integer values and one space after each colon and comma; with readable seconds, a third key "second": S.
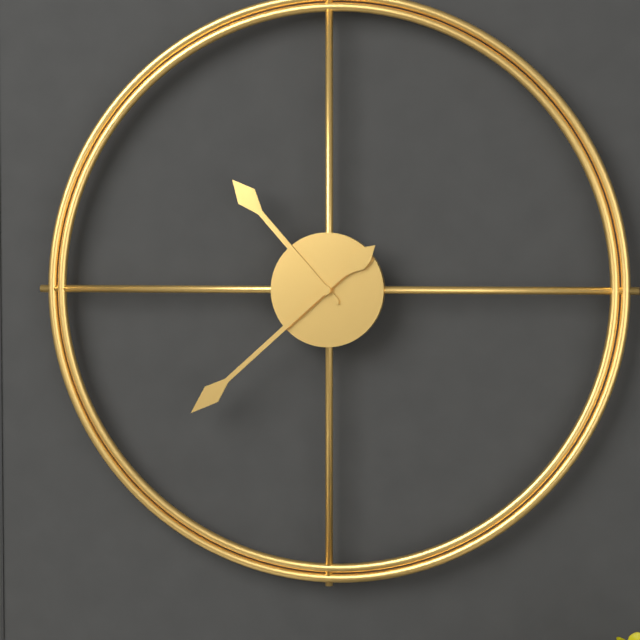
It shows {"hour": 10, "minute": 38}
